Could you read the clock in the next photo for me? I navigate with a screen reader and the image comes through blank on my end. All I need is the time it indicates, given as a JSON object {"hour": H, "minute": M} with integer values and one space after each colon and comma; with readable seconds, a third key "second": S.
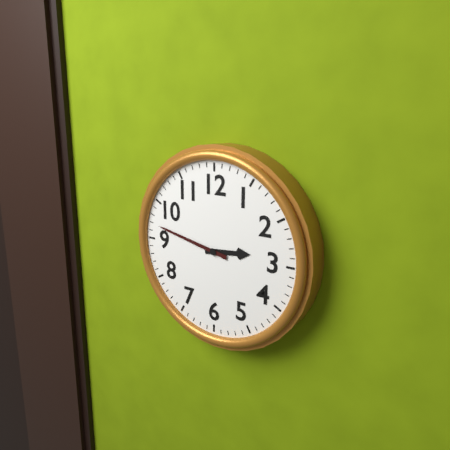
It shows {"hour": 2, "minute": 47}
